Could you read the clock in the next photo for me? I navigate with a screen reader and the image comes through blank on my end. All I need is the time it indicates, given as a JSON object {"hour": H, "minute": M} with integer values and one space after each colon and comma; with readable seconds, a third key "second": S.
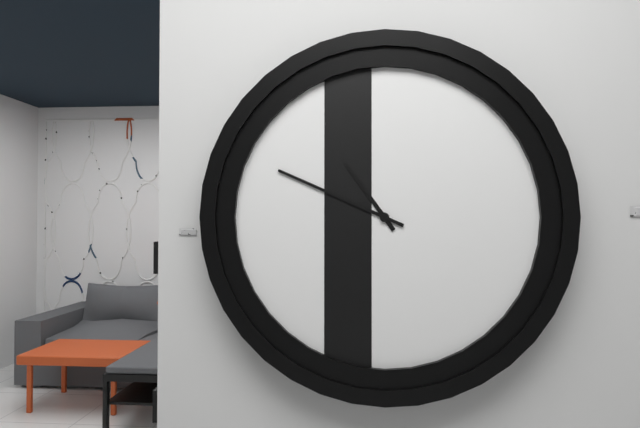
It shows {"hour": 10, "minute": 49}
